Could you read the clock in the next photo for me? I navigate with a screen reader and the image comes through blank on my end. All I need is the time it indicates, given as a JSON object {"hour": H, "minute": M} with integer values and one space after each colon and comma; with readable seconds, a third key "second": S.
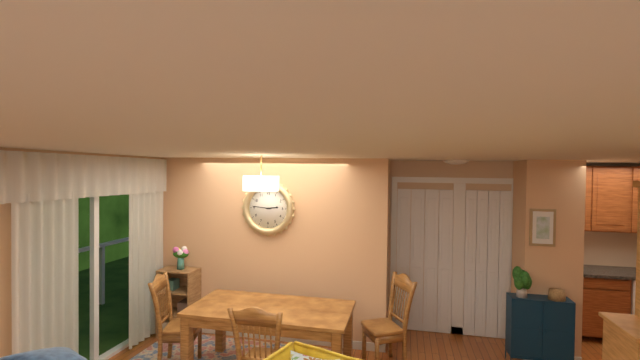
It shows {"hour": 2, "minute": 46}
